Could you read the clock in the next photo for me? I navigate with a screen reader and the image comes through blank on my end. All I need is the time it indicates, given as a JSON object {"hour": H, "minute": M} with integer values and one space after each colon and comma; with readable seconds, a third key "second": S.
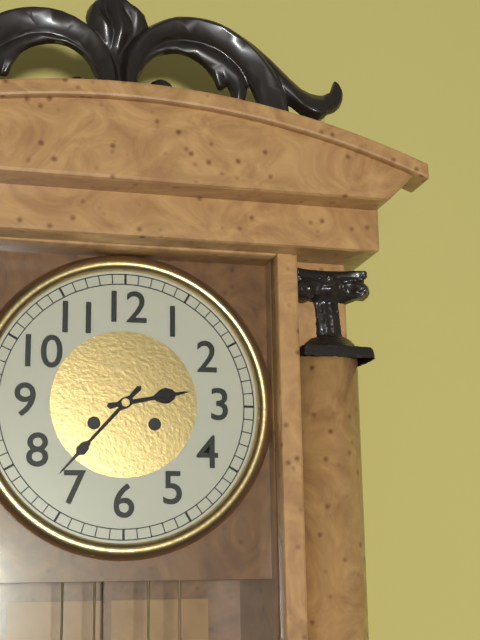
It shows {"hour": 2, "minute": 37}
